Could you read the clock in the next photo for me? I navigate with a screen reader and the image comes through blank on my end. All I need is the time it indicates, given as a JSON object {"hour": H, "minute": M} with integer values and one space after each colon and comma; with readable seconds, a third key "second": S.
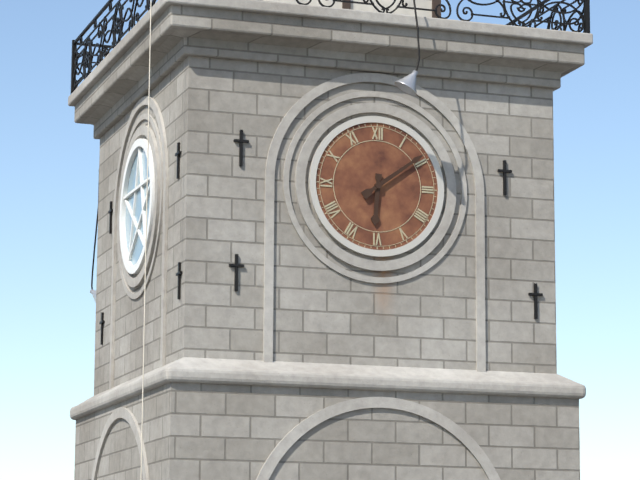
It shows {"hour": 6, "minute": 9}
